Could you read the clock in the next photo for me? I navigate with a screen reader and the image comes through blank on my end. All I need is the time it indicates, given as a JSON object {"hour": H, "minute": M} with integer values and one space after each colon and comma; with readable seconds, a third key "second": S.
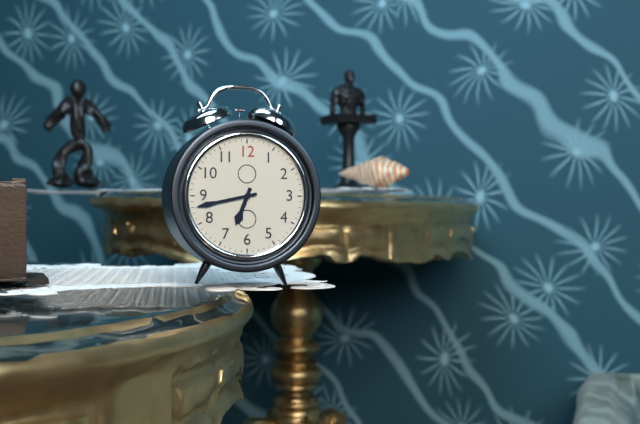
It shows {"hour": 6, "minute": 43}
